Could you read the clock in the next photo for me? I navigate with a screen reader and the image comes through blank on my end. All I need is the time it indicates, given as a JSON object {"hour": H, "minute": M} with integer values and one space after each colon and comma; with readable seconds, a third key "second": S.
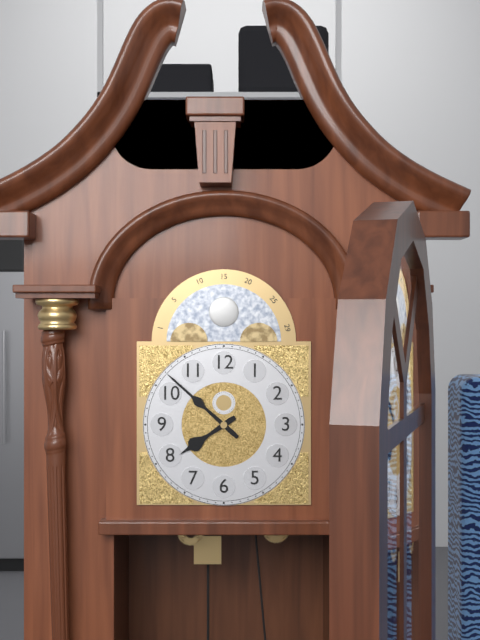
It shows {"hour": 7, "minute": 52}
